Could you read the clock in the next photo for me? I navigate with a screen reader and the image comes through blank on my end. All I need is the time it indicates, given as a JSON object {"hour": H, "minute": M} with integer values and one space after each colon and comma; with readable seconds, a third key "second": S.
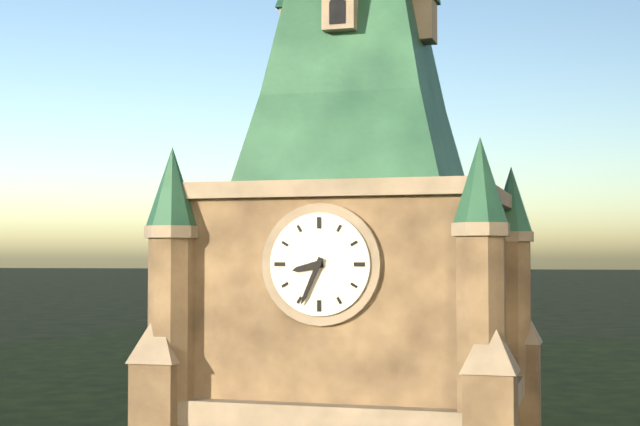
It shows {"hour": 8, "minute": 34}
